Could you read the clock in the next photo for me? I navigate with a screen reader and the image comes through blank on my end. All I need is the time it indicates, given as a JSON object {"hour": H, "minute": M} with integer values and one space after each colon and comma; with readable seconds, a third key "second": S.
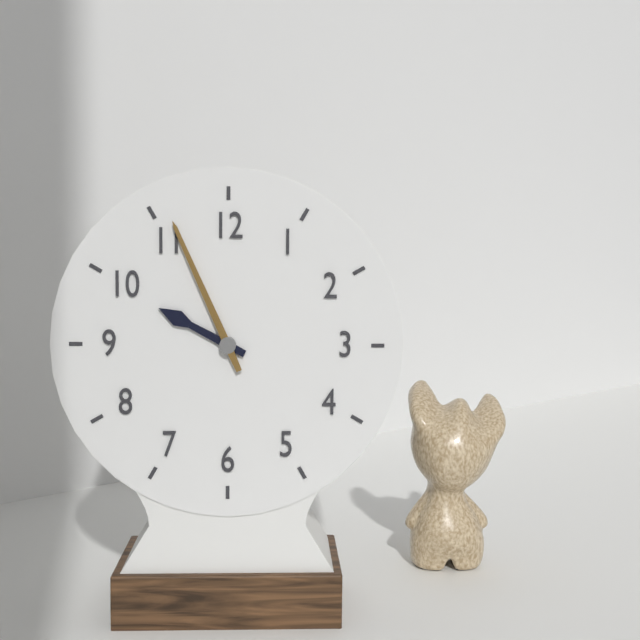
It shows {"hour": 9, "minute": 56}
